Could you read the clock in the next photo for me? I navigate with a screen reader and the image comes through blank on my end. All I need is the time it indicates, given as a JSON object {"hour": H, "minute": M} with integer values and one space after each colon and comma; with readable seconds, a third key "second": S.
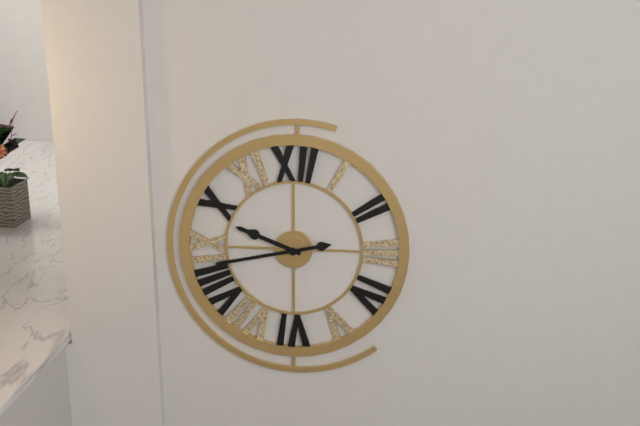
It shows {"hour": 9, "minute": 43}
